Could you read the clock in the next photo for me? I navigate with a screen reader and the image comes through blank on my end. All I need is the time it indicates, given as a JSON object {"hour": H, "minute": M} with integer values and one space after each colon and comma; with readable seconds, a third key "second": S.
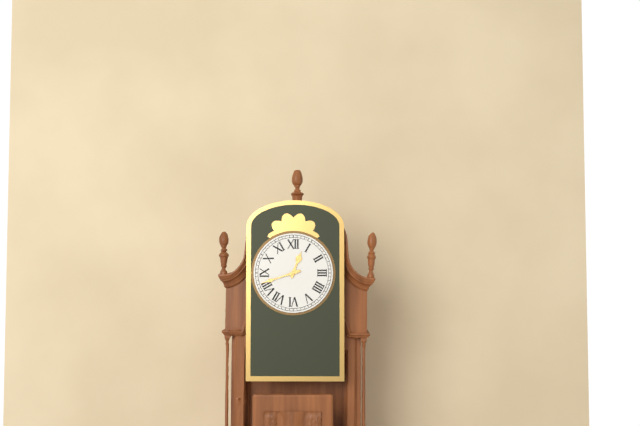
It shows {"hour": 12, "minute": 42}
